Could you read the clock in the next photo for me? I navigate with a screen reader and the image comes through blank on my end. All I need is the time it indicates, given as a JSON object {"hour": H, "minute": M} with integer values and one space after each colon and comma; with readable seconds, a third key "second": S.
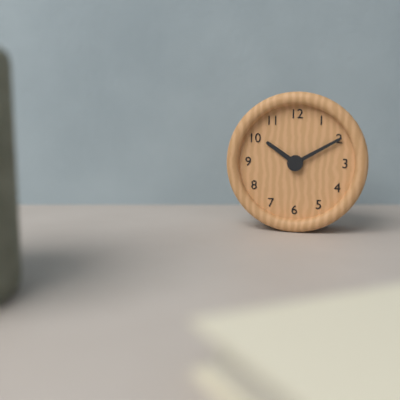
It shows {"hour": 10, "minute": 10}
